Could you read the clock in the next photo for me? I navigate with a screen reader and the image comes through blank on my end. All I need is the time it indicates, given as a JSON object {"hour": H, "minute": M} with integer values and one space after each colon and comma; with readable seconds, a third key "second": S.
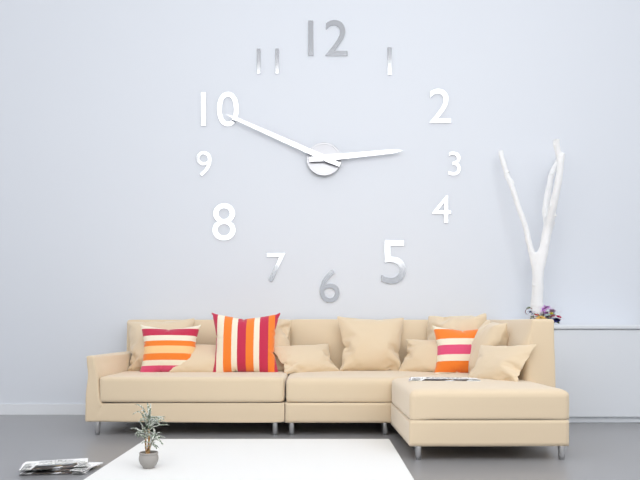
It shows {"hour": 2, "minute": 49}
